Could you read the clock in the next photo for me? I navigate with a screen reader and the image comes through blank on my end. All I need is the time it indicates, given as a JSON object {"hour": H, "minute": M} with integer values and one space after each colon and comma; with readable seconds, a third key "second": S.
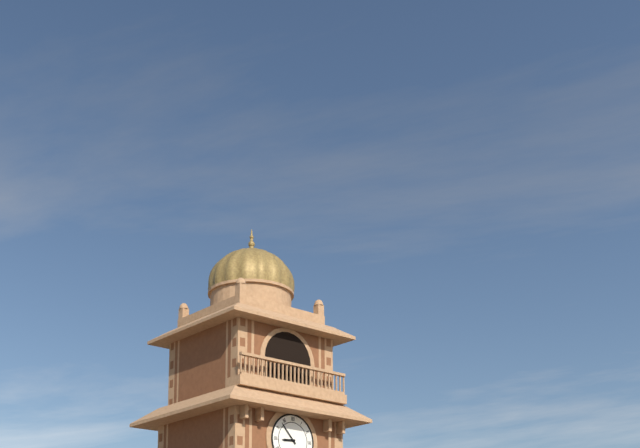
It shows {"hour": 8, "minute": 53}
